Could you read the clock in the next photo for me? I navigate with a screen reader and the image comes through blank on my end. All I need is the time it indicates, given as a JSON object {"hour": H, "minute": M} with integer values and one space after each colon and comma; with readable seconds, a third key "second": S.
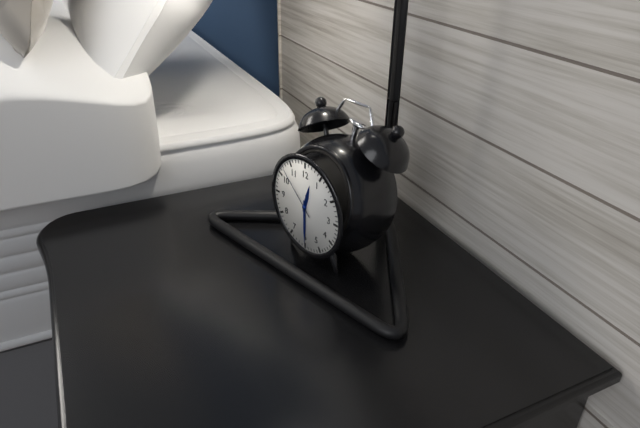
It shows {"hour": 12, "minute": 30, "second": 52}
